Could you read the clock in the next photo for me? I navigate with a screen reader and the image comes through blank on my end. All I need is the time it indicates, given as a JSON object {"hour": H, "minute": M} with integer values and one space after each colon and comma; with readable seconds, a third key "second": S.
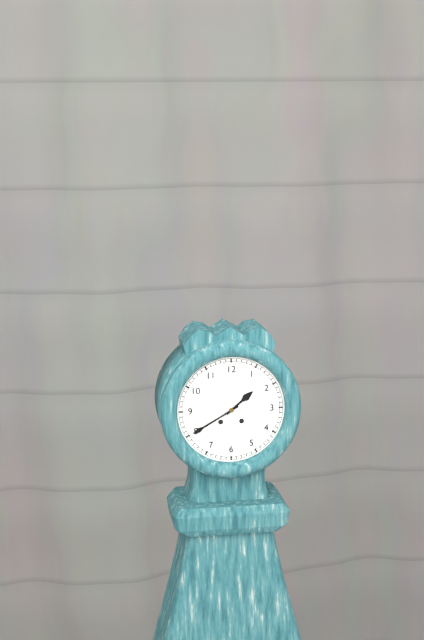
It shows {"hour": 1, "minute": 40}
